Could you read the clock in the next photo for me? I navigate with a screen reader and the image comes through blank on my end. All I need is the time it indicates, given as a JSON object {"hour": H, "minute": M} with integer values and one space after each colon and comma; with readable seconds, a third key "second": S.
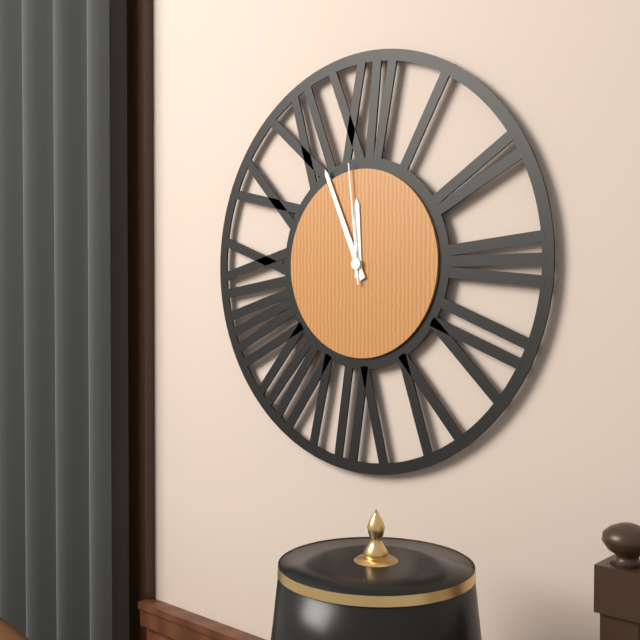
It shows {"hour": 11, "minute": 56, "second": 59}
